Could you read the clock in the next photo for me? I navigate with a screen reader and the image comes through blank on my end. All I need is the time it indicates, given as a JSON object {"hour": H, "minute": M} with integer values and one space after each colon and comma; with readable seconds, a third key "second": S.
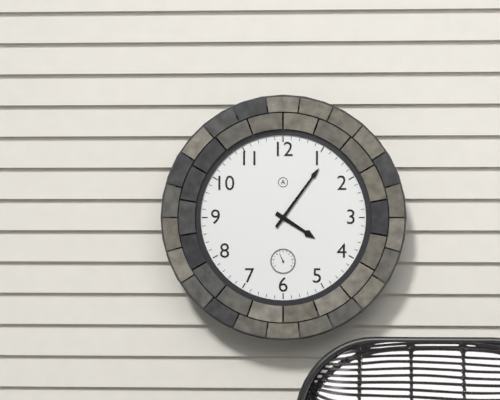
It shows {"hour": 4, "minute": 6}
